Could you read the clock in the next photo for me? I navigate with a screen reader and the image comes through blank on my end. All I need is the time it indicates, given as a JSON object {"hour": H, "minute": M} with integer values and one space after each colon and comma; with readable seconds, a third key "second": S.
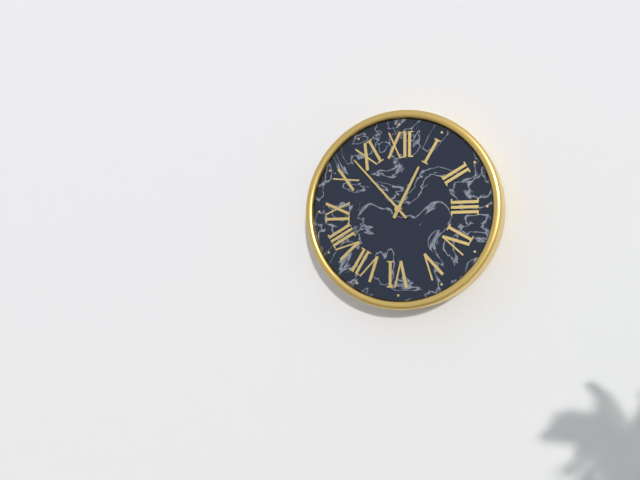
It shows {"hour": 12, "minute": 53}
